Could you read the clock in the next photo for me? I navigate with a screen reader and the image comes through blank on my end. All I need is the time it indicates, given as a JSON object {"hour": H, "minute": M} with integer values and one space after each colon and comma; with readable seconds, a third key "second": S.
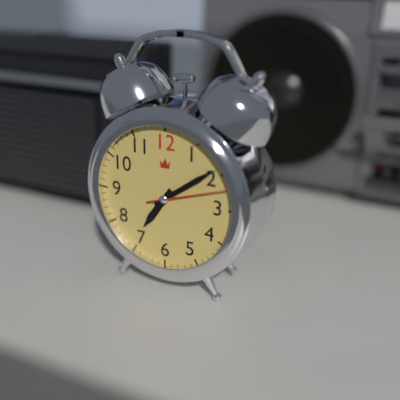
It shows {"hour": 7, "minute": 9, "second": 12}
